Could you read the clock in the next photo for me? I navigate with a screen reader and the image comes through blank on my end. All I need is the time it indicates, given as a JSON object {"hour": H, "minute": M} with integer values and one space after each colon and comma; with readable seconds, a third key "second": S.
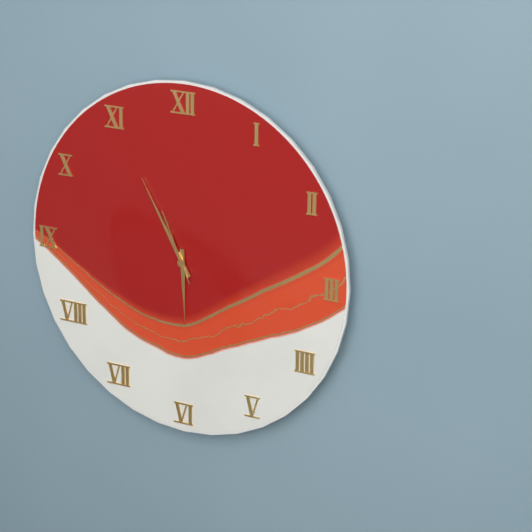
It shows {"hour": 5, "minute": 55, "second": 56}
